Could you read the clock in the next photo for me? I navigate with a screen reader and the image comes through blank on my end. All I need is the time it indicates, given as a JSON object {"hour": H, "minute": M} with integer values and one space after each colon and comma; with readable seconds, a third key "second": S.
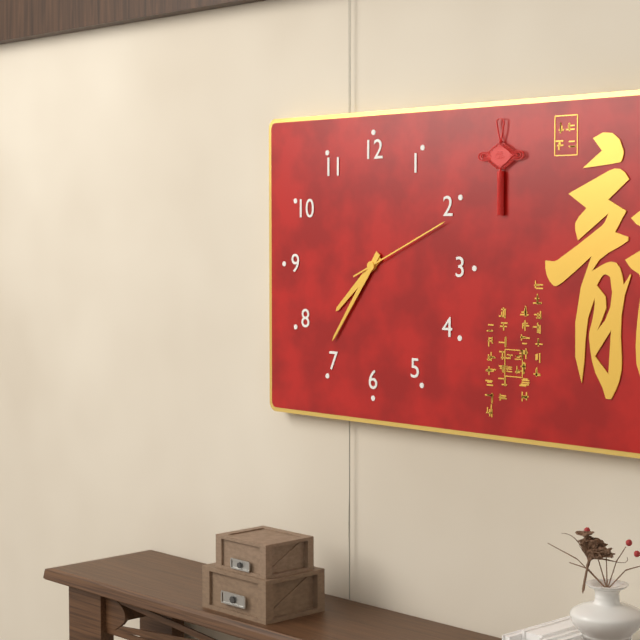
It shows {"hour": 7, "minute": 36, "second": 11}
